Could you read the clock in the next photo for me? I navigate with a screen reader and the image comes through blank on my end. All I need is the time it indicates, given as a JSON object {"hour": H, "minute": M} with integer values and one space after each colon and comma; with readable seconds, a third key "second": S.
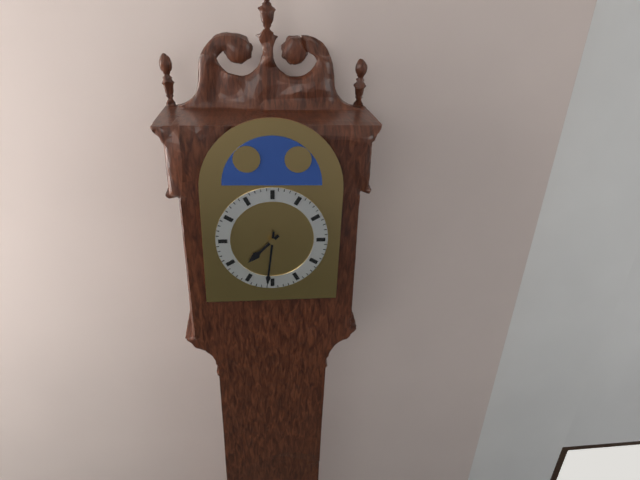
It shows {"hour": 7, "minute": 31}
